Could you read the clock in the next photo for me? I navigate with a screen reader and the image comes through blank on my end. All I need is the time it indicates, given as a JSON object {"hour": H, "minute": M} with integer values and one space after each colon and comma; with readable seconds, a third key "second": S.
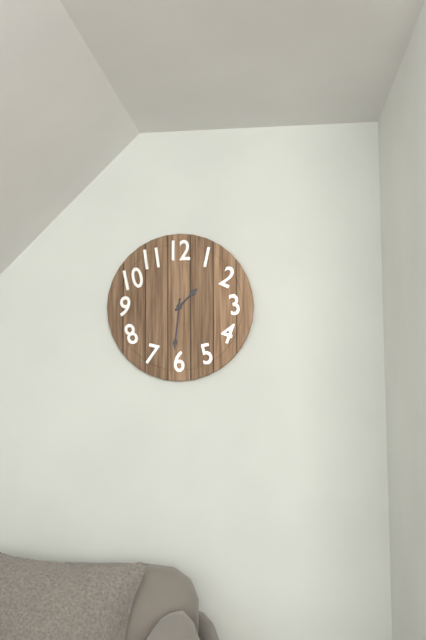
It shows {"hour": 1, "minute": 31}
